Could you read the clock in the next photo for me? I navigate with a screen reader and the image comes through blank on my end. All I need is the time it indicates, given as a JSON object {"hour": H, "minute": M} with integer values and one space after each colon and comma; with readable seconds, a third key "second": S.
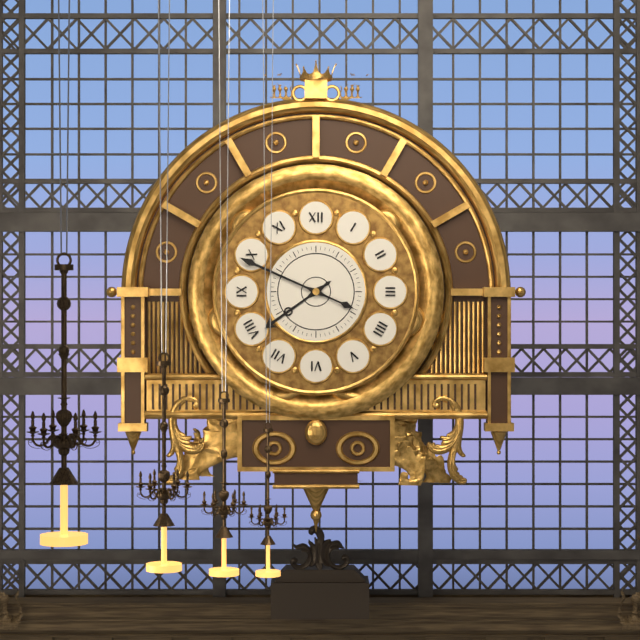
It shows {"hour": 7, "minute": 49}
